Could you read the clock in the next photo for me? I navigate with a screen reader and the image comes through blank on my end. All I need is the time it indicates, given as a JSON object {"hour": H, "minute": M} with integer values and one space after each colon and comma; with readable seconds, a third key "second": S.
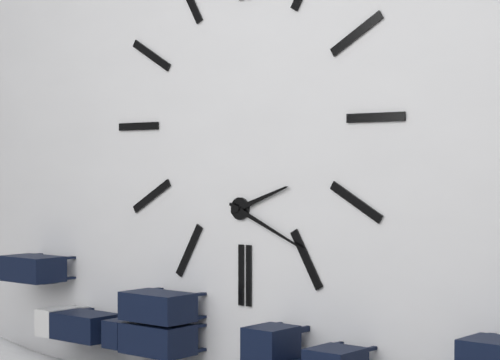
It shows {"hour": 2, "minute": 19}
